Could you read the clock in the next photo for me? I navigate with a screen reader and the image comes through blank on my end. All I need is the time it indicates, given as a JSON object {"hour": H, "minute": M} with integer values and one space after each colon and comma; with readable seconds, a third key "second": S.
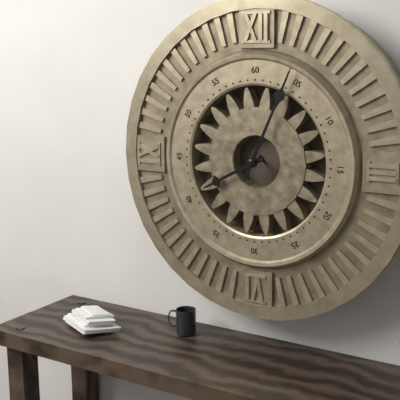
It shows {"hour": 8, "minute": 4}
